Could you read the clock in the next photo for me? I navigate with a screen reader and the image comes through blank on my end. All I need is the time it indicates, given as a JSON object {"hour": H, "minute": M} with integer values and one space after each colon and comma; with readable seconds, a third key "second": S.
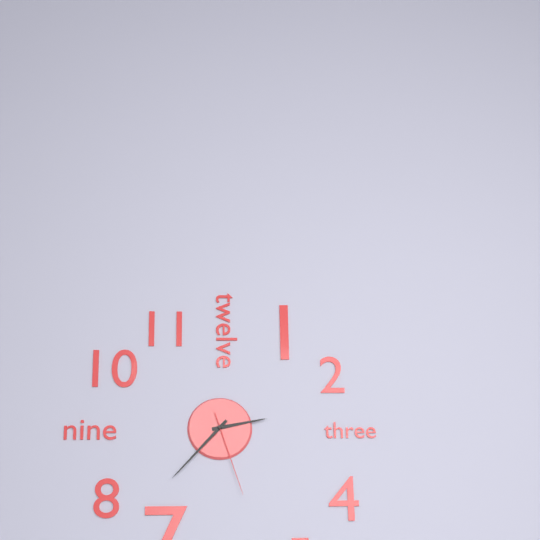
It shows {"hour": 2, "minute": 37, "second": 27}
